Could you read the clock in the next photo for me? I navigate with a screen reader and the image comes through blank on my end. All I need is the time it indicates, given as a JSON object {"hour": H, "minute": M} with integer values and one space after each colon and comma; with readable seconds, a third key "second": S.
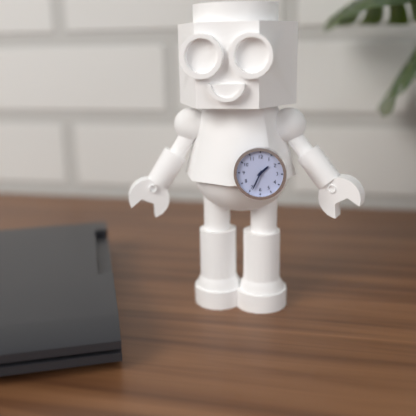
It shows {"hour": 1, "minute": 34}
